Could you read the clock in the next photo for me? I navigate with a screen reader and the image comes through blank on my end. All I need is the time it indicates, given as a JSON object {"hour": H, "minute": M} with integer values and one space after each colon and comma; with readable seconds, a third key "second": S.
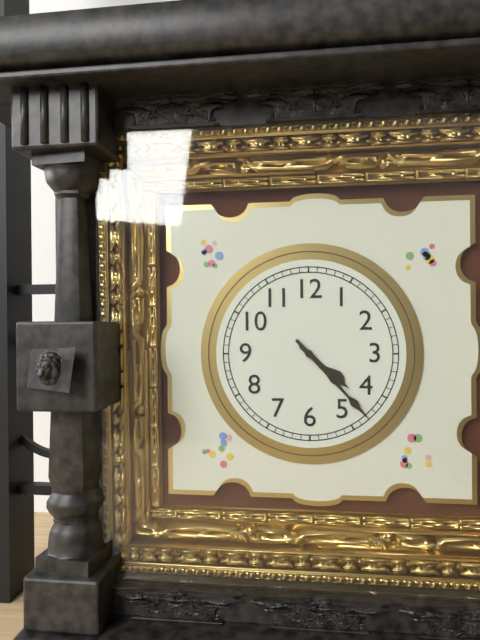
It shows {"hour": 4, "minute": 23}
